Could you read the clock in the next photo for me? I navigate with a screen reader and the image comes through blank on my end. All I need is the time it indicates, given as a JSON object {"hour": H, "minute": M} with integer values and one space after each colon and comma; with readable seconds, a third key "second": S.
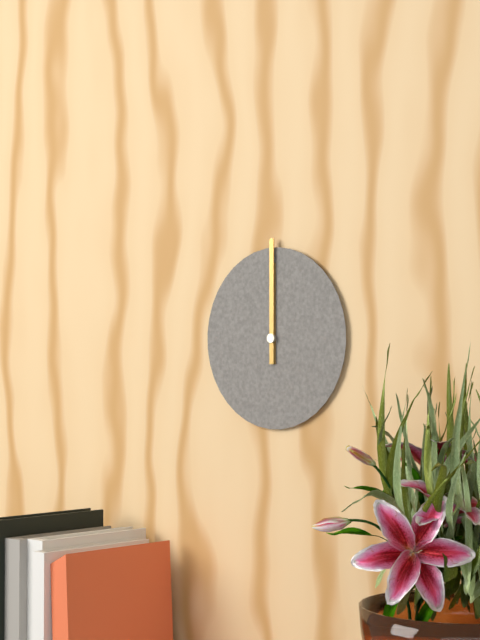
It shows {"hour": 12, "minute": 0}
